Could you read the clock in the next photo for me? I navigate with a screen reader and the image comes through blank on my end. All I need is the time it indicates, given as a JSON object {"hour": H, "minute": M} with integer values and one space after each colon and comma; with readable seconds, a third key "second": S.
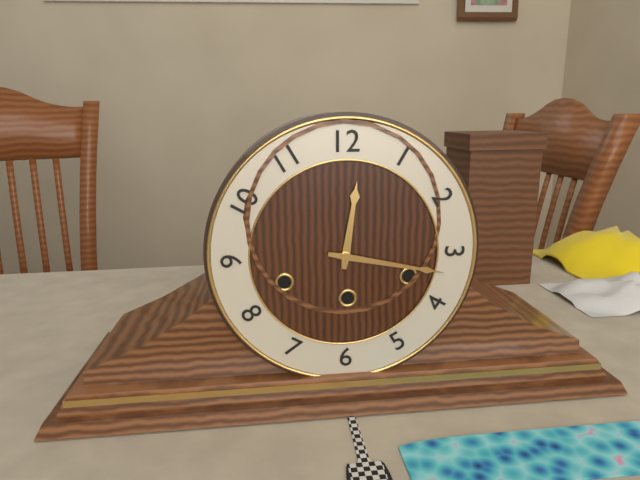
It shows {"hour": 12, "minute": 17}
